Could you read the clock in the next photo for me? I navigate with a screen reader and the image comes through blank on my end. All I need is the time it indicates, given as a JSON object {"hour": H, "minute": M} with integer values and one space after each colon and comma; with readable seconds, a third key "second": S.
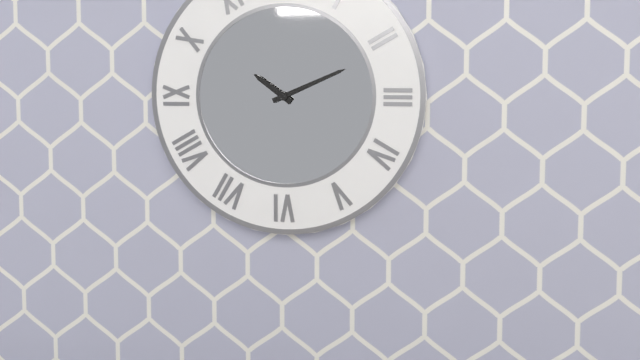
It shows {"hour": 10, "minute": 11}
